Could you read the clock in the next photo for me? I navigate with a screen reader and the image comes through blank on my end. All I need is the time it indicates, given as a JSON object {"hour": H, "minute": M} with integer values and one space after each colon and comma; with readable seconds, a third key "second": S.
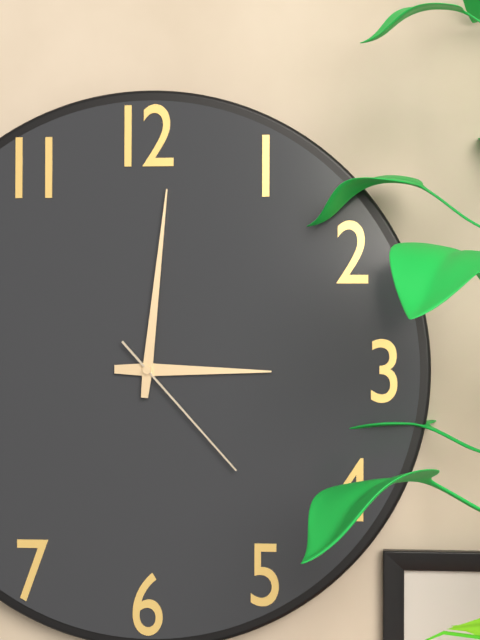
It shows {"hour": 3, "minute": 1, "second": 23}
